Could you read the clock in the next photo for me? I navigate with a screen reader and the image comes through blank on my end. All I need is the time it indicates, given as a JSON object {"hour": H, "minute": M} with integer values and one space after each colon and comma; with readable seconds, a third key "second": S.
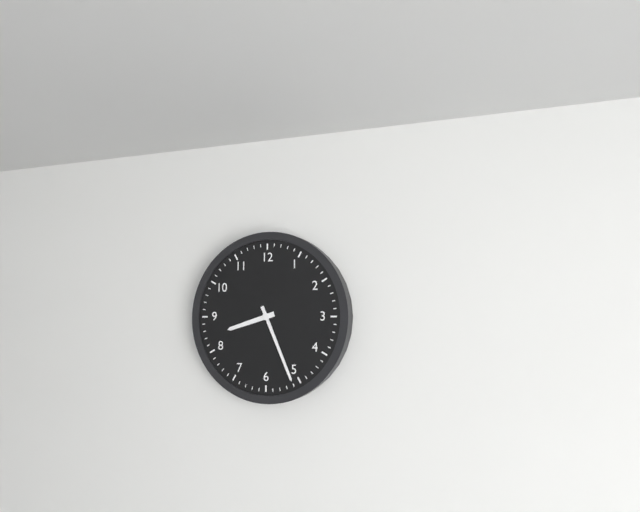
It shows {"hour": 8, "minute": 26}
